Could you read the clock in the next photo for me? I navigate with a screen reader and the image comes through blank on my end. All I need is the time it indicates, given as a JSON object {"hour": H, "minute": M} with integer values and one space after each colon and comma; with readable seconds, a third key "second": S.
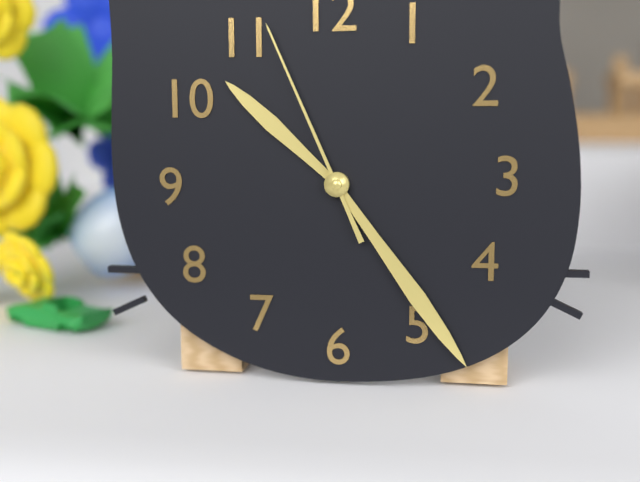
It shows {"hour": 10, "minute": 24, "second": 56}
